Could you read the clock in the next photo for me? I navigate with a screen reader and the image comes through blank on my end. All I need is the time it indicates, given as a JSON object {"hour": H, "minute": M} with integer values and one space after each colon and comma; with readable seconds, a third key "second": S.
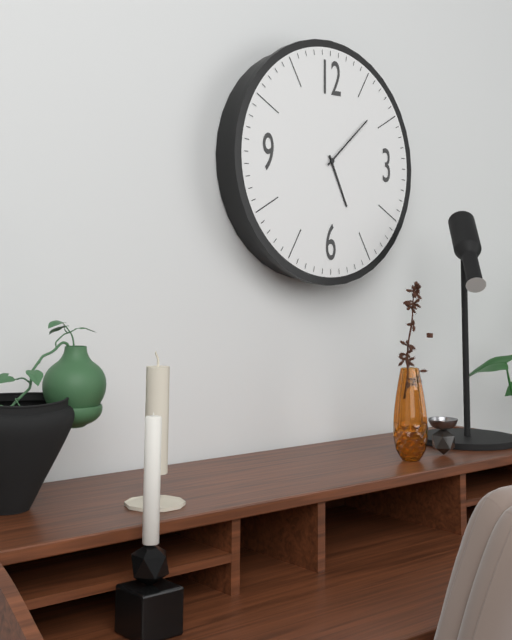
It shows {"hour": 5, "minute": 8}
